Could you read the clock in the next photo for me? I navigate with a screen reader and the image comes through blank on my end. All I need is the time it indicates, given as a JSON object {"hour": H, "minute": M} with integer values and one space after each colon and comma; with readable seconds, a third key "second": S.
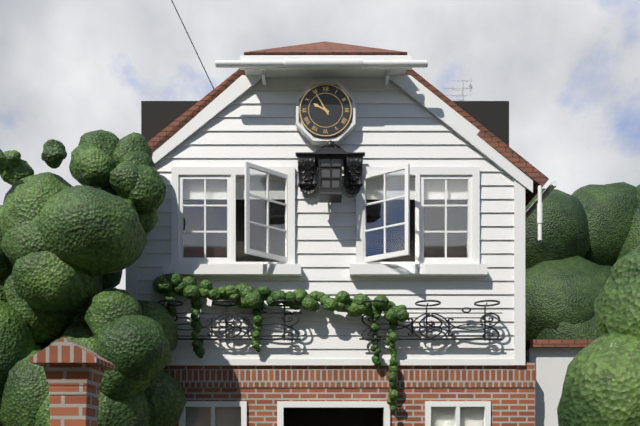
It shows {"hour": 9, "minute": 55}
